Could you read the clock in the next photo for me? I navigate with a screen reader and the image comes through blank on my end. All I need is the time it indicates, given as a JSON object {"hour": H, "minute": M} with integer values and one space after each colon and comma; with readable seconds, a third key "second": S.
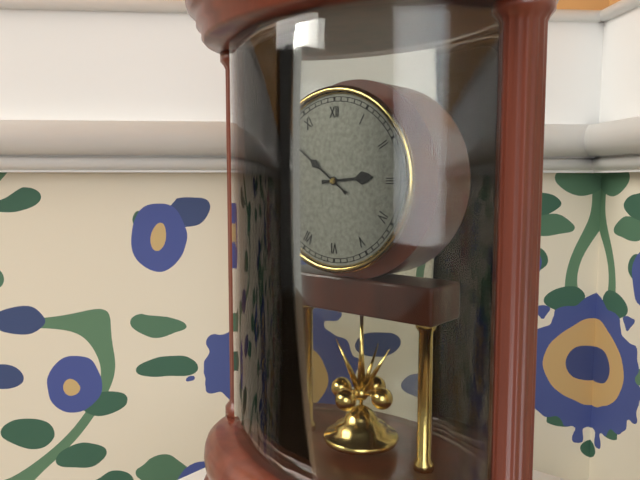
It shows {"hour": 2, "minute": 51}
